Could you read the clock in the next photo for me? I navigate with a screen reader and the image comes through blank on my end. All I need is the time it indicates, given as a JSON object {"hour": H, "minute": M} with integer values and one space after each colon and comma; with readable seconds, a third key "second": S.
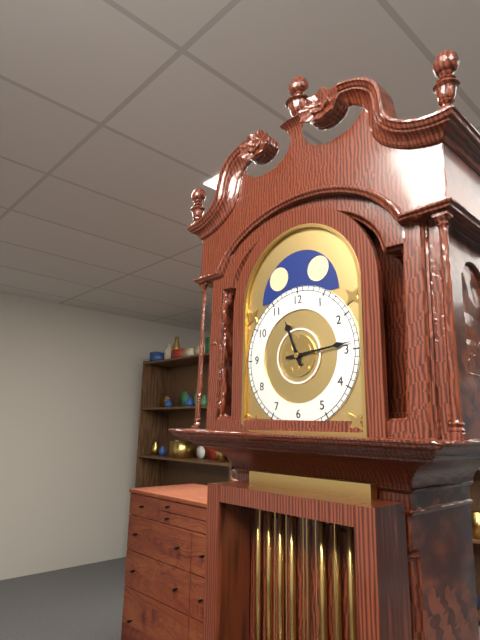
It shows {"hour": 11, "minute": 14}
